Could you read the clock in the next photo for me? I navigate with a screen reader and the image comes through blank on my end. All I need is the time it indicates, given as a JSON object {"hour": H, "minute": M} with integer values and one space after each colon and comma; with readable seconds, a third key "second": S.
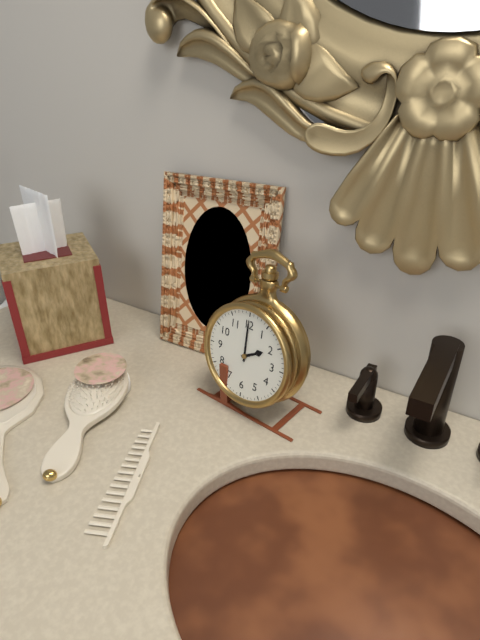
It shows {"hour": 2, "minute": 0}
